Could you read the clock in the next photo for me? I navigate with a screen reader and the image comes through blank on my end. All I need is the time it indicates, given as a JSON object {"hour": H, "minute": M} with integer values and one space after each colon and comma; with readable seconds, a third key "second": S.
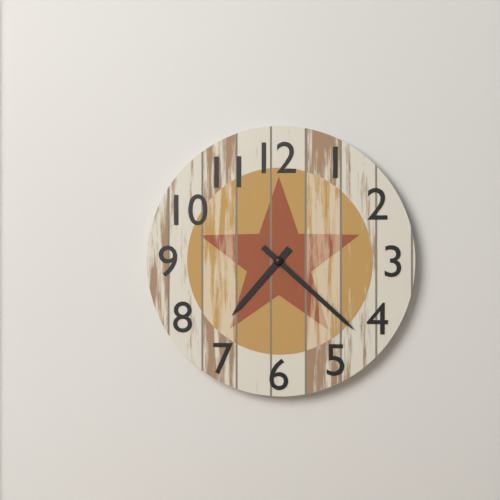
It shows {"hour": 7, "minute": 22}
